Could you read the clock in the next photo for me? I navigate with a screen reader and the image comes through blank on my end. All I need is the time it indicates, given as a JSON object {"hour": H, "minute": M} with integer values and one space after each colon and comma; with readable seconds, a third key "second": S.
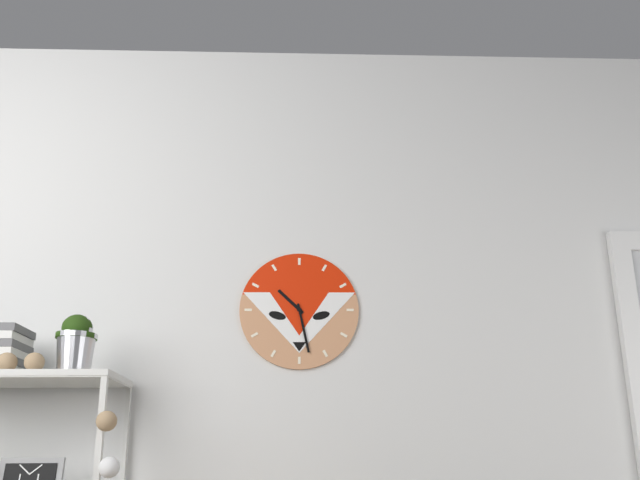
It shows {"hour": 10, "minute": 28}
